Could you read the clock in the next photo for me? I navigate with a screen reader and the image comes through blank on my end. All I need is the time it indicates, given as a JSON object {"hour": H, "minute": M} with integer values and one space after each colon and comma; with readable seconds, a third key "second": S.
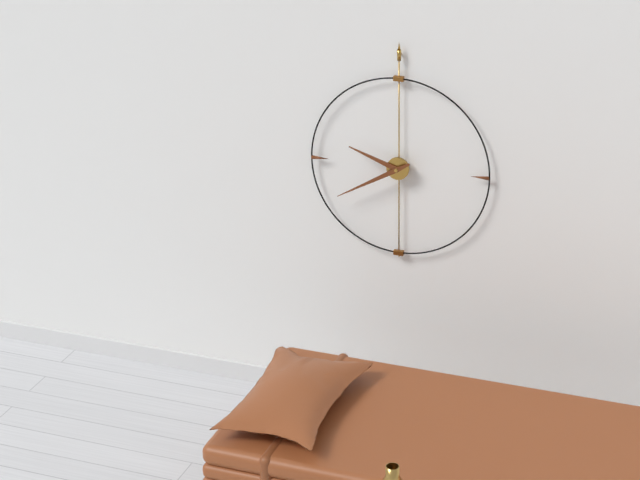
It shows {"hour": 9, "minute": 40}
